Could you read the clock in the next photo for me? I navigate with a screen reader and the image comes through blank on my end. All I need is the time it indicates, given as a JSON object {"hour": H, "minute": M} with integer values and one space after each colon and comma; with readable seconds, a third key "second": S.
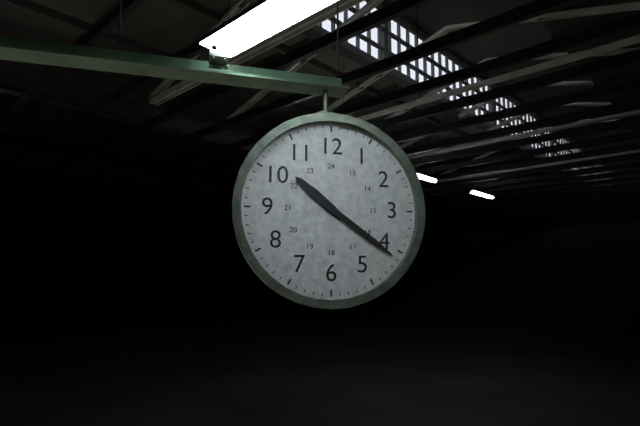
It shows {"hour": 10, "minute": 21}
